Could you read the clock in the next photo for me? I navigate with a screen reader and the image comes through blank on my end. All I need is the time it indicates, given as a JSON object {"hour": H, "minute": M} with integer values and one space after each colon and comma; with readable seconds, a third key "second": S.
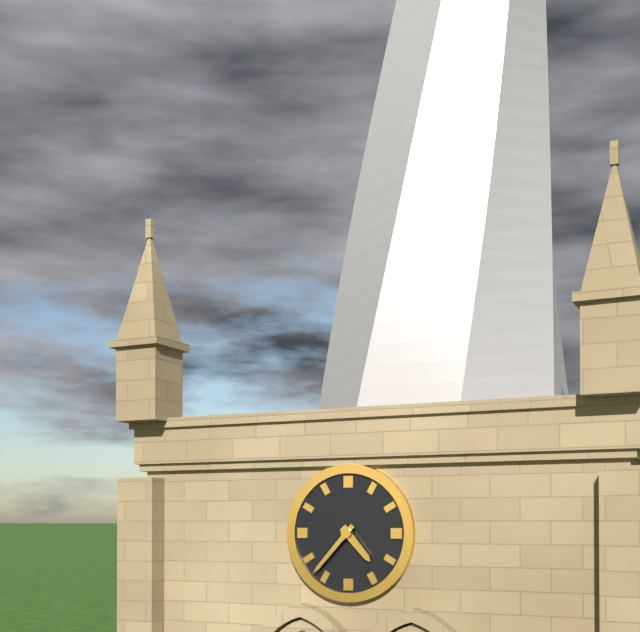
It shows {"hour": 4, "minute": 37}
